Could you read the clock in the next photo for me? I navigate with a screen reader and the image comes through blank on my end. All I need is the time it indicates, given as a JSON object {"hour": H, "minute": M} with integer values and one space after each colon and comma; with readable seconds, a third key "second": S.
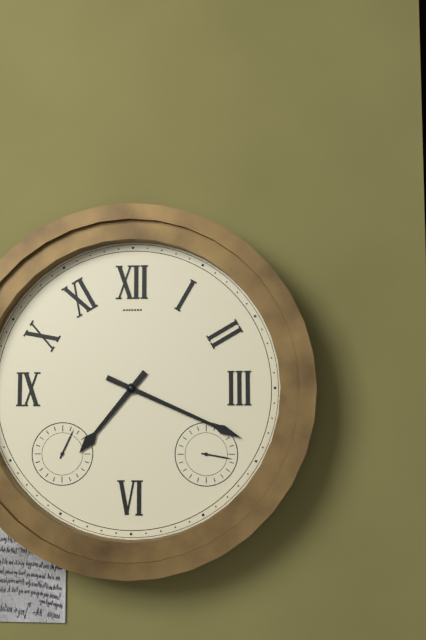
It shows {"hour": 7, "minute": 19}
